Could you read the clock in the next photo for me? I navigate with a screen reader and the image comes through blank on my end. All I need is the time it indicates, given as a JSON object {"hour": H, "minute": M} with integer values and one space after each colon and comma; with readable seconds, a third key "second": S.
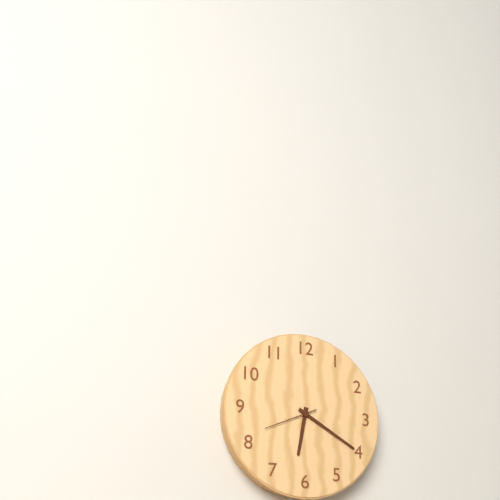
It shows {"hour": 6, "minute": 20, "second": 41}
